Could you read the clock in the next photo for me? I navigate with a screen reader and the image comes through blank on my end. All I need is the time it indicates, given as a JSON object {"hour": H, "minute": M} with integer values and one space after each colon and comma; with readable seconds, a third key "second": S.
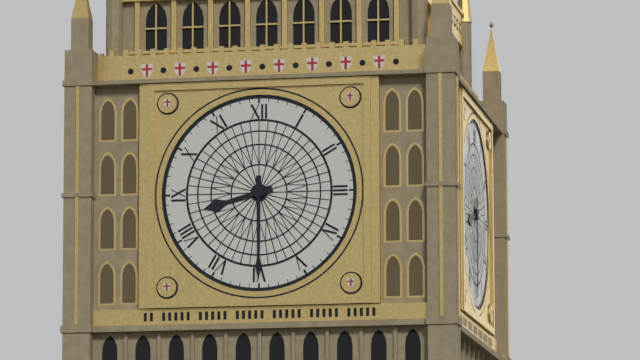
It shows {"hour": 8, "minute": 30}
